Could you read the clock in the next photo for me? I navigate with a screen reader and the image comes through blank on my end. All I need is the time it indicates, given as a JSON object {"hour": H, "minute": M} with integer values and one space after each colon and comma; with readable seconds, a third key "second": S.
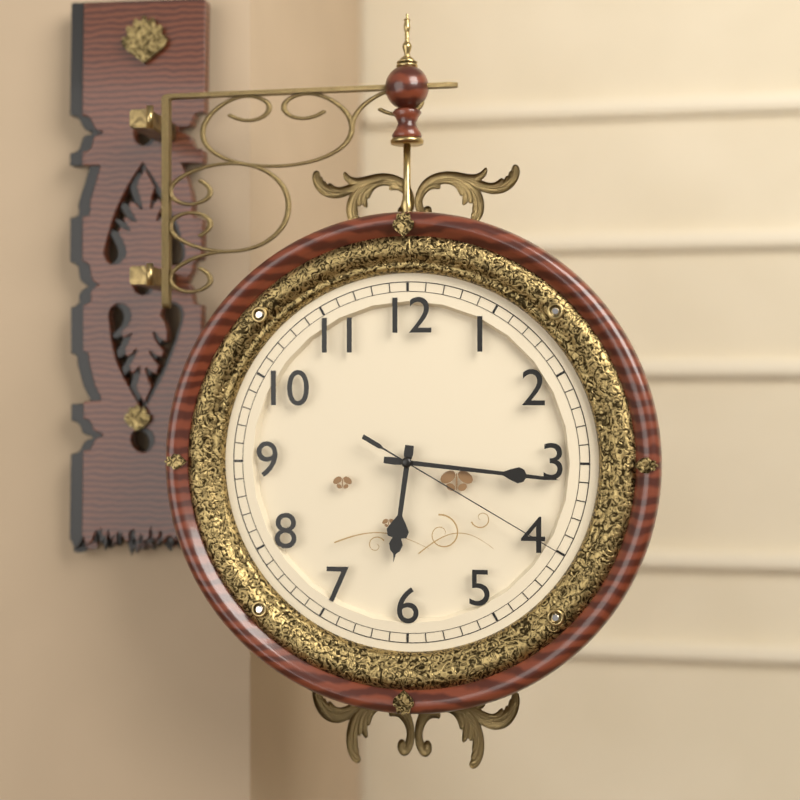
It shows {"hour": 6, "minute": 16, "second": 20}
